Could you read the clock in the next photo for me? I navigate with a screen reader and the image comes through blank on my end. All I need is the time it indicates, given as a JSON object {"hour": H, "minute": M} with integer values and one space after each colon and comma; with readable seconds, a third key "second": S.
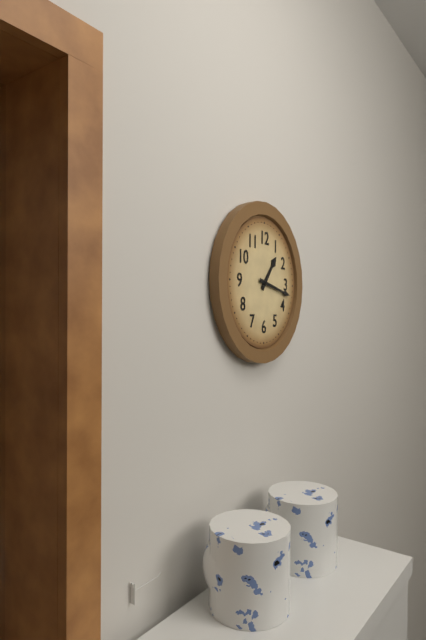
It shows {"hour": 1, "minute": 17}
